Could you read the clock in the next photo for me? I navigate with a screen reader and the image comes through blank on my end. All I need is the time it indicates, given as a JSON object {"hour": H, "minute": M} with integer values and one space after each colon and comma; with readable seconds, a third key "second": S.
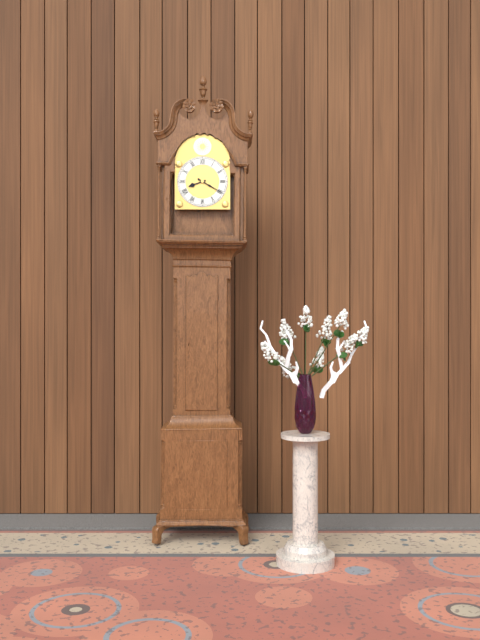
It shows {"hour": 8, "minute": 20}
